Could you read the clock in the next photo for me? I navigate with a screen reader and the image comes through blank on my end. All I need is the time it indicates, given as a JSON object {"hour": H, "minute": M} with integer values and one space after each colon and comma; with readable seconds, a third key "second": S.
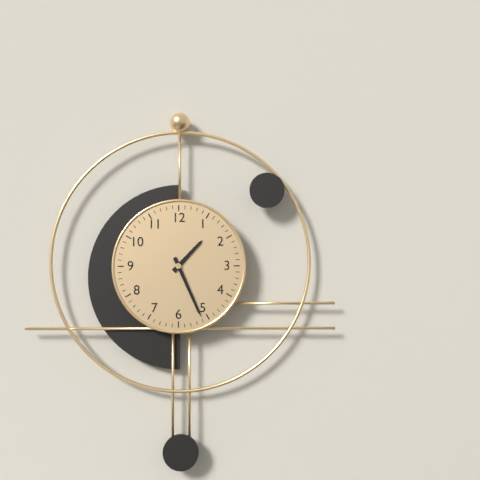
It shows {"hour": 1, "minute": 26}
